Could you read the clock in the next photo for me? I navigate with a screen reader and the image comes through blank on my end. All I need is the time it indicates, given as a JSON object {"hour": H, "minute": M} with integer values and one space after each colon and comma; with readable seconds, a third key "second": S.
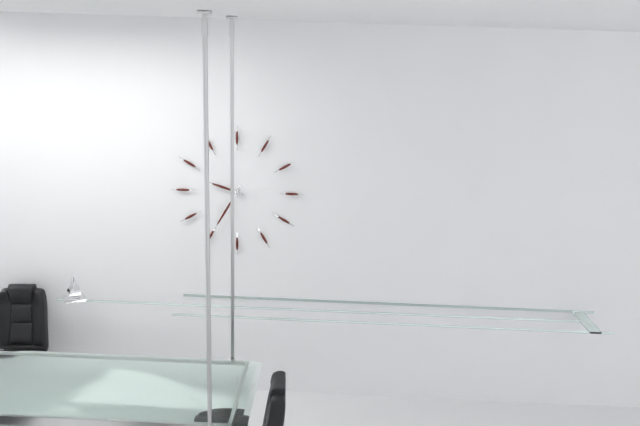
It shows {"hour": 9, "minute": 35}
